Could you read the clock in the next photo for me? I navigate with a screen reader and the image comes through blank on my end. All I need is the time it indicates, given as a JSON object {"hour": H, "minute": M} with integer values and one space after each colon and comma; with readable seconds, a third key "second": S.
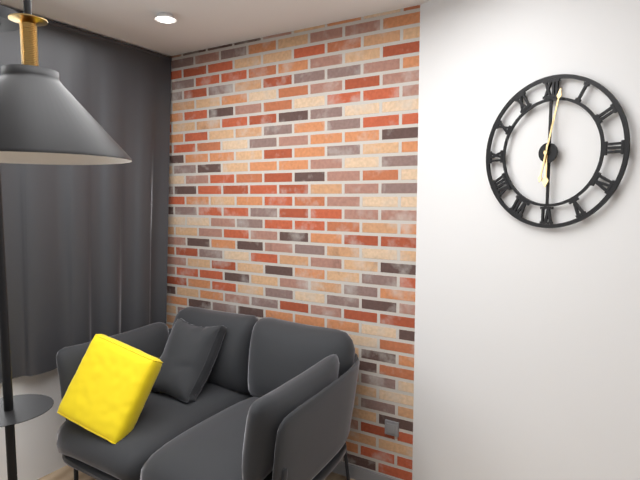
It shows {"hour": 6, "minute": 2}
